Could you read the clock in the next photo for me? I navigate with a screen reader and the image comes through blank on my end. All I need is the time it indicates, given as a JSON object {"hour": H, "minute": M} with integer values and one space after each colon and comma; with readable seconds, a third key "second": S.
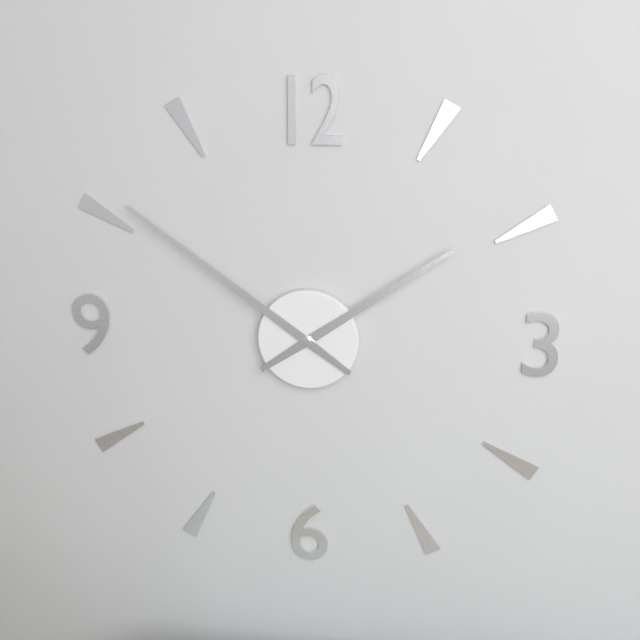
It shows {"hour": 1, "minute": 51}
